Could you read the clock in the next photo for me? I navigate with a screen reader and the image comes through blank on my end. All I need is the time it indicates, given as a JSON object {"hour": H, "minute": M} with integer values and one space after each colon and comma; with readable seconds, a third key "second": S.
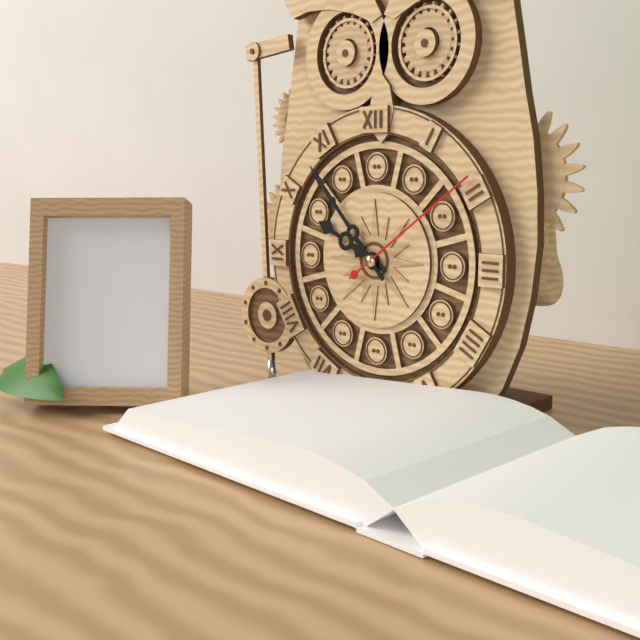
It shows {"hour": 9, "minute": 53, "second": 9}
